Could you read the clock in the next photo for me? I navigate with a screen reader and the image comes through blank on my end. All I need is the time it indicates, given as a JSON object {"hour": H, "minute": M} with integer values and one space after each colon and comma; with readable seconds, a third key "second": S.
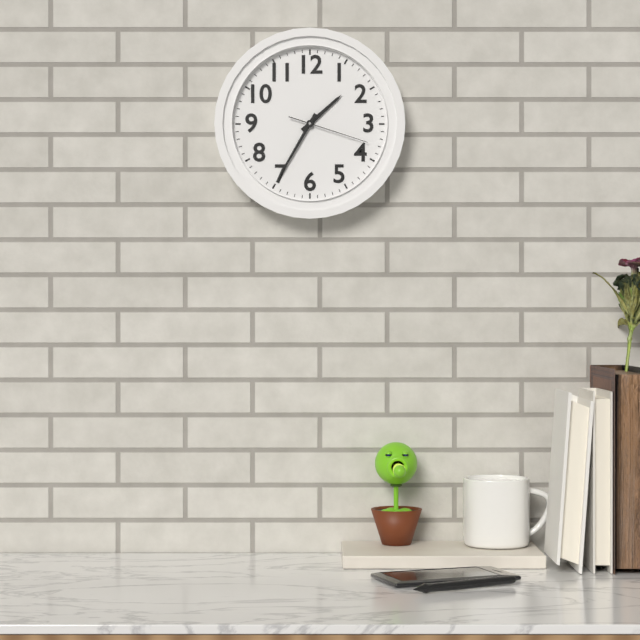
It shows {"hour": 1, "minute": 35, "second": 18}
